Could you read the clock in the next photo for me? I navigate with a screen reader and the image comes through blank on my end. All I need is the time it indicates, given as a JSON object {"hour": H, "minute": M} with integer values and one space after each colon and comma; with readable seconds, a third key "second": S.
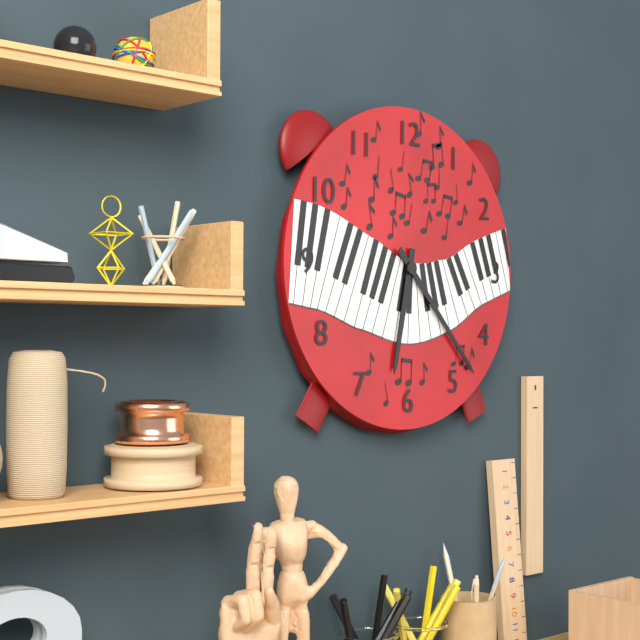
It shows {"hour": 6, "minute": 23}
